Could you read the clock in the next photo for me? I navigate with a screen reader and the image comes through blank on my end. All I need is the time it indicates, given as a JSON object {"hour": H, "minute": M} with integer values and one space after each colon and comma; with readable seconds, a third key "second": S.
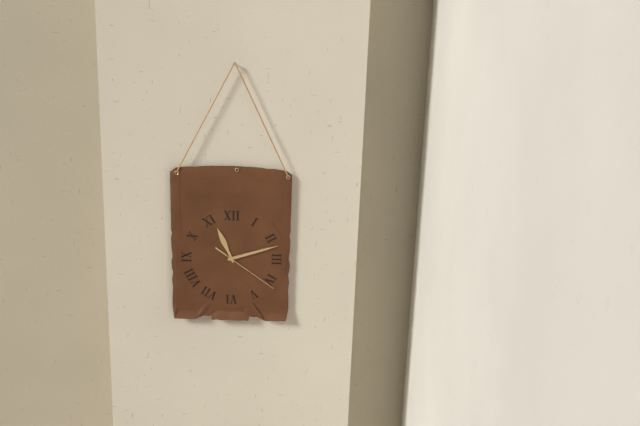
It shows {"hour": 11, "minute": 12, "second": 21}
